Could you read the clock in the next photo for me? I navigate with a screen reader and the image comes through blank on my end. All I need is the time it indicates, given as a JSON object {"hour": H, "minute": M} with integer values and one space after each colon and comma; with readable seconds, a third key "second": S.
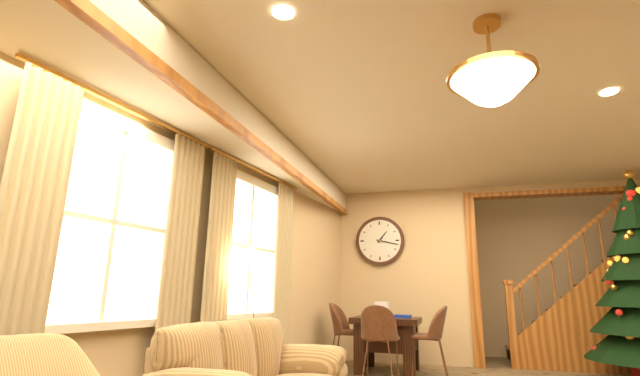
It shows {"hour": 1, "minute": 17}
